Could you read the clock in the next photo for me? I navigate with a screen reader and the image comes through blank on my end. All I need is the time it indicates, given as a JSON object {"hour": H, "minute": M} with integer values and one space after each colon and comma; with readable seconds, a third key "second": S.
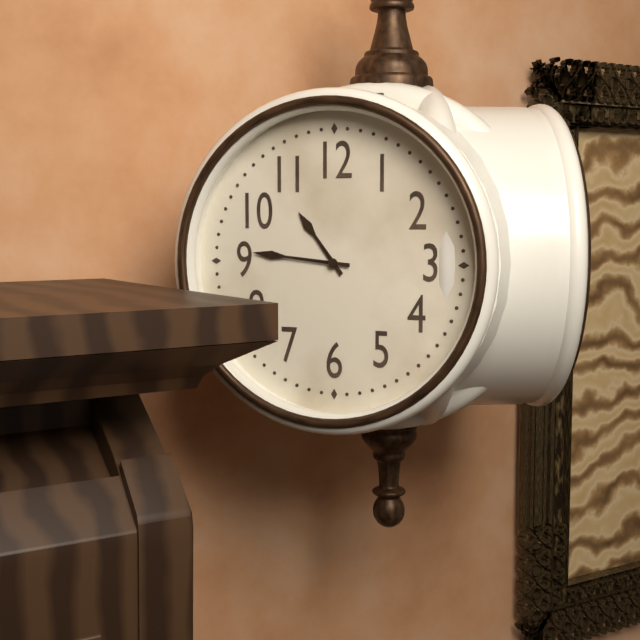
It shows {"hour": 10, "minute": 46}
